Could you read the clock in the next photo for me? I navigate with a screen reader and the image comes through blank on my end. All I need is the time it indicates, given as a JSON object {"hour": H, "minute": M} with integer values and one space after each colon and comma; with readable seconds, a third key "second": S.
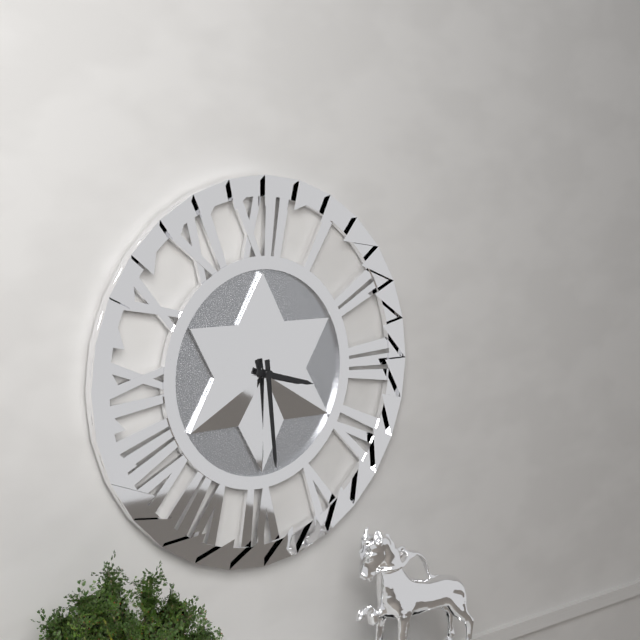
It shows {"hour": 3, "minute": 29}
